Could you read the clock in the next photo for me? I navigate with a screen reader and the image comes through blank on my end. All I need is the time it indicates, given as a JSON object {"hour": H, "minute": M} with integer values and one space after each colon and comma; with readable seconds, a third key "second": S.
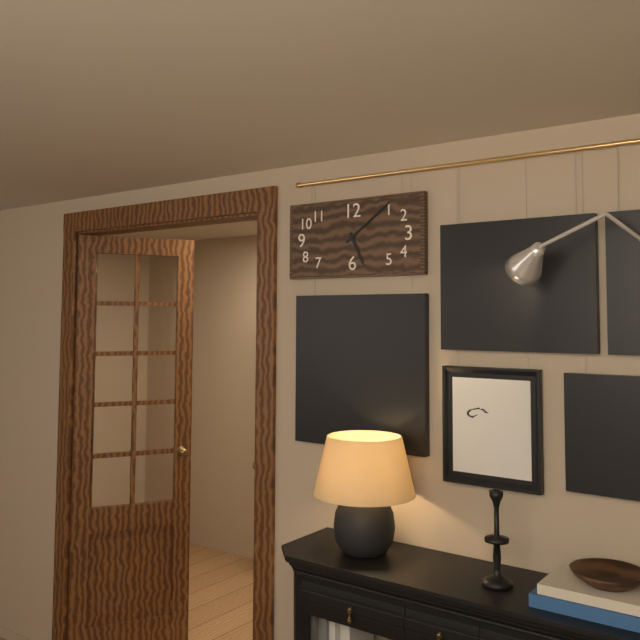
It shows {"hour": 5, "minute": 9}
